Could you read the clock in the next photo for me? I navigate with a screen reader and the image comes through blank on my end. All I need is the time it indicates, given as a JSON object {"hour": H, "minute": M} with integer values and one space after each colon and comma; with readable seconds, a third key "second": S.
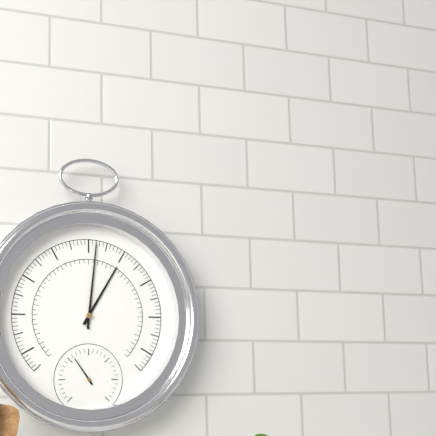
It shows {"hour": 1, "minute": 1}
